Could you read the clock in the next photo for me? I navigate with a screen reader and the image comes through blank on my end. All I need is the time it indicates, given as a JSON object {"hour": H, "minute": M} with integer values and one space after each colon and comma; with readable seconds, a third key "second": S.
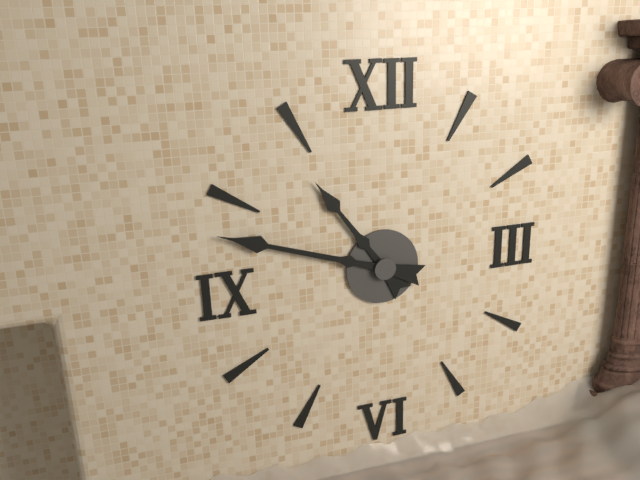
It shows {"hour": 10, "minute": 48}
